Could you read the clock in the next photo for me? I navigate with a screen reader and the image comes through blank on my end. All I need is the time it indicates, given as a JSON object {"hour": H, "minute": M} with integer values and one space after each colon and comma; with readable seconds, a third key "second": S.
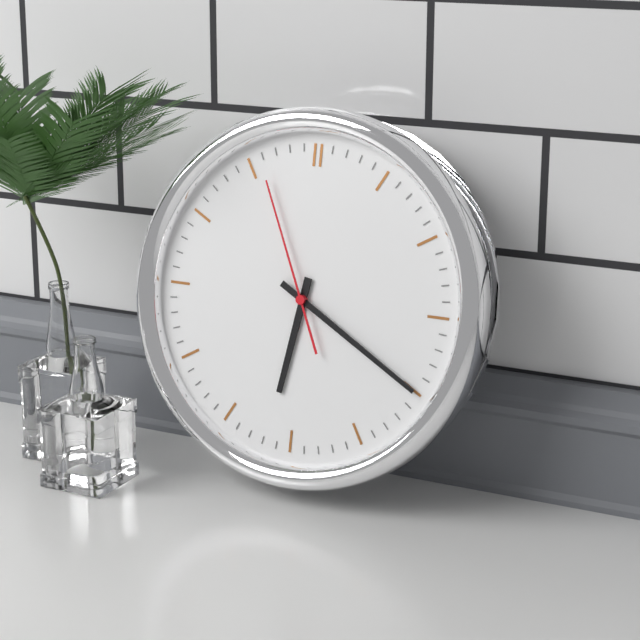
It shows {"hour": 6, "minute": 20, "second": 56}
